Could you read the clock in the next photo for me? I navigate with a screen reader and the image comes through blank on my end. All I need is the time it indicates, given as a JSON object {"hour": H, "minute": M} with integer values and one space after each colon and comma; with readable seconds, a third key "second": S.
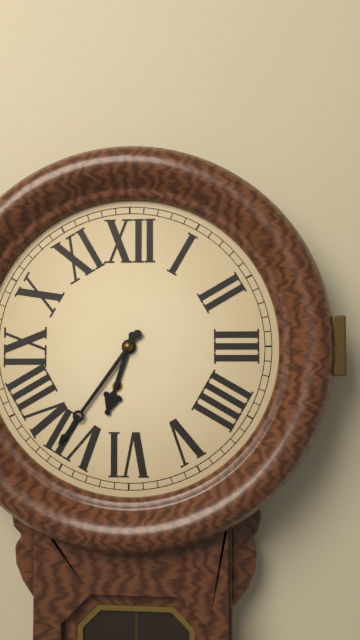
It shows {"hour": 6, "minute": 36}
